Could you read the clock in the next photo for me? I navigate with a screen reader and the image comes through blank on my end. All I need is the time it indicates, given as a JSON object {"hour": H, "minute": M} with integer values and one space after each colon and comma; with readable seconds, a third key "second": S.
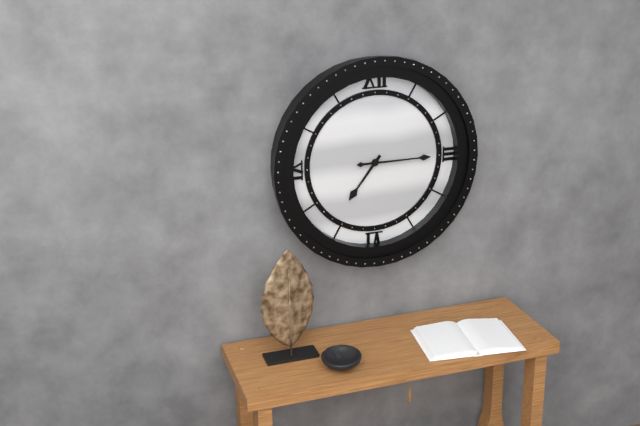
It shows {"hour": 7, "minute": 15}
